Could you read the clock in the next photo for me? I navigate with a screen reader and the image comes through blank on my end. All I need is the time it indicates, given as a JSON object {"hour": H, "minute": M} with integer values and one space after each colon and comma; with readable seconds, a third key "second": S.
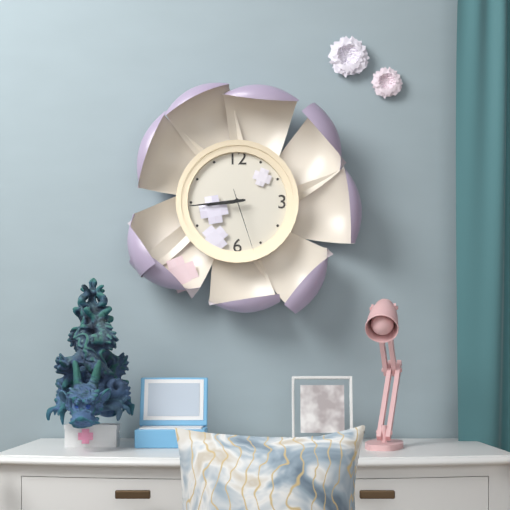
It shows {"hour": 8, "minute": 44, "second": 27}
